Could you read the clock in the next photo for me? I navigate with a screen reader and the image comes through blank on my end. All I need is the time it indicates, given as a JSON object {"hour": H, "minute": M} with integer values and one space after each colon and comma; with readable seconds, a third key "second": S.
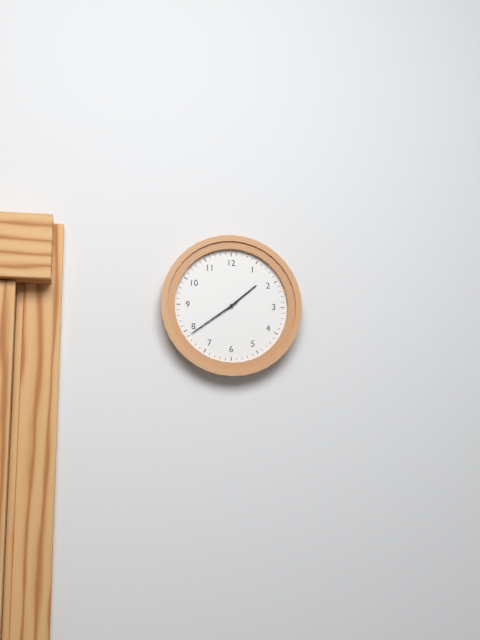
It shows {"hour": 1, "minute": 39}
